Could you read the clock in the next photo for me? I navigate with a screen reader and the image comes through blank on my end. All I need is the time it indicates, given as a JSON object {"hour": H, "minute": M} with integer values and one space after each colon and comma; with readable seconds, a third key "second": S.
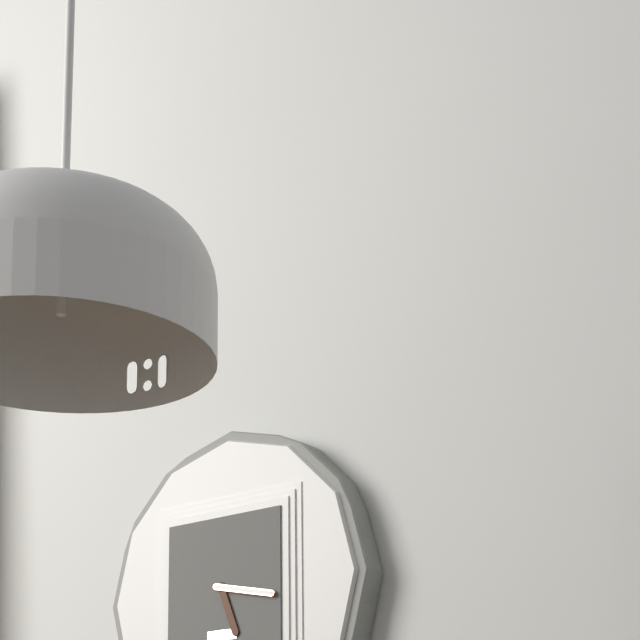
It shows {"hour": 5, "minute": 17}
